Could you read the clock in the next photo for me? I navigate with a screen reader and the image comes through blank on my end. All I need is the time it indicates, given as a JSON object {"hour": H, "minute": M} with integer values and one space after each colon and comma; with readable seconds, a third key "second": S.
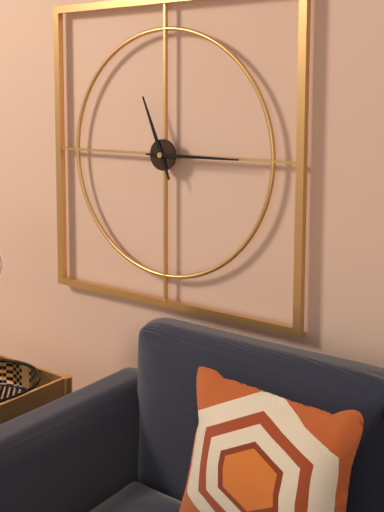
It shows {"hour": 11, "minute": 15}
